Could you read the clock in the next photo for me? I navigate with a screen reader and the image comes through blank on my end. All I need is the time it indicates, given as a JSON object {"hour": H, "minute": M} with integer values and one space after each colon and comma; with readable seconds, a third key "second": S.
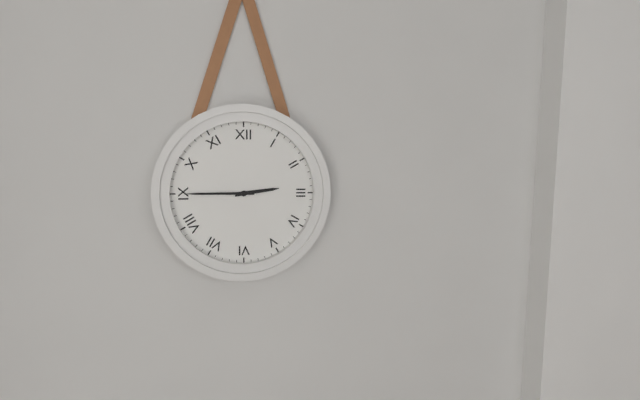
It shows {"hour": 2, "minute": 45}
